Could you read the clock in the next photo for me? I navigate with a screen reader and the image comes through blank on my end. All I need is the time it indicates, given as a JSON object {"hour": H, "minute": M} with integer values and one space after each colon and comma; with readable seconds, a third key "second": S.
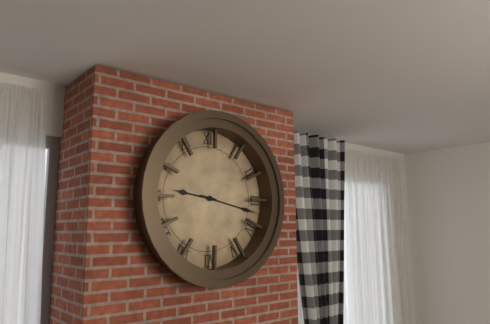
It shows {"hour": 9, "minute": 17}
